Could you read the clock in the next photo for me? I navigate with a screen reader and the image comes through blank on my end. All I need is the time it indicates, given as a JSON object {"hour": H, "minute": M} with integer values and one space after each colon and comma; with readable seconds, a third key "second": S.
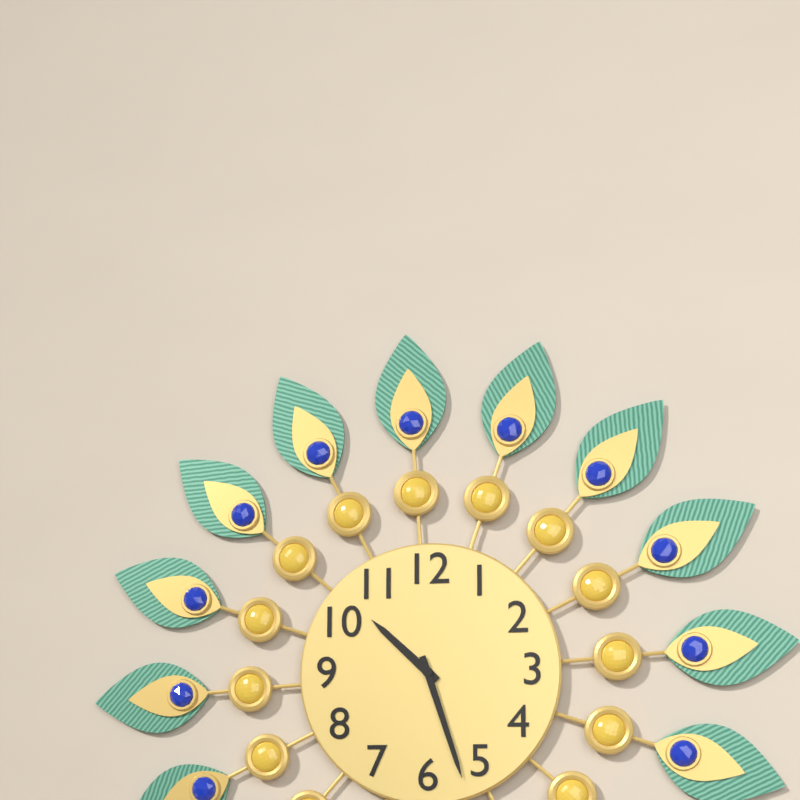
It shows {"hour": 10, "minute": 27}
